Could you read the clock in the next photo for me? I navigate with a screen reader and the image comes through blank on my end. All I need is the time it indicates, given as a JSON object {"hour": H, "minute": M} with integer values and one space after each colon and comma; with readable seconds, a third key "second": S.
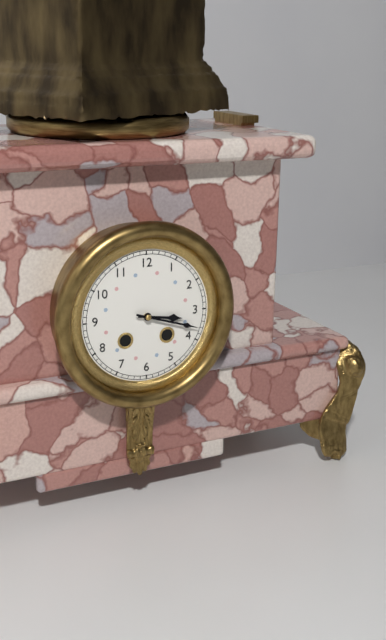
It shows {"hour": 3, "minute": 18}
